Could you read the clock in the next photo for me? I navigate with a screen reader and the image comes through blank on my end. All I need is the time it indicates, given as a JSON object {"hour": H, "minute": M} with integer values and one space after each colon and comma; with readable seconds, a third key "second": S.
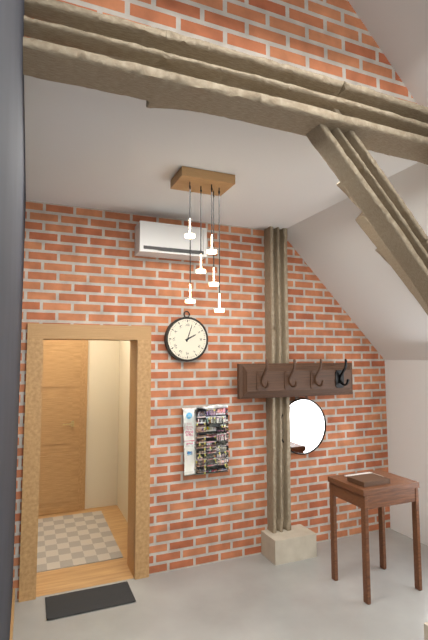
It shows {"hour": 2, "minute": 3}
